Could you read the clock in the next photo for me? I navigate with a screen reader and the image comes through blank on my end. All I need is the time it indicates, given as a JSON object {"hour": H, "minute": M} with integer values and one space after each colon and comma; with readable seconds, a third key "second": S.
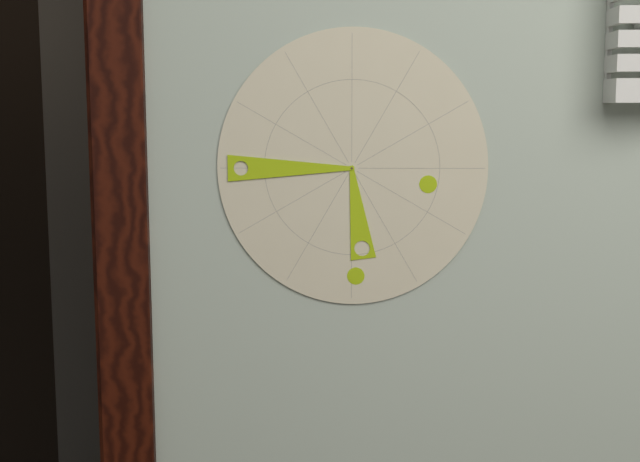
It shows {"hour": 5, "minute": 45}
